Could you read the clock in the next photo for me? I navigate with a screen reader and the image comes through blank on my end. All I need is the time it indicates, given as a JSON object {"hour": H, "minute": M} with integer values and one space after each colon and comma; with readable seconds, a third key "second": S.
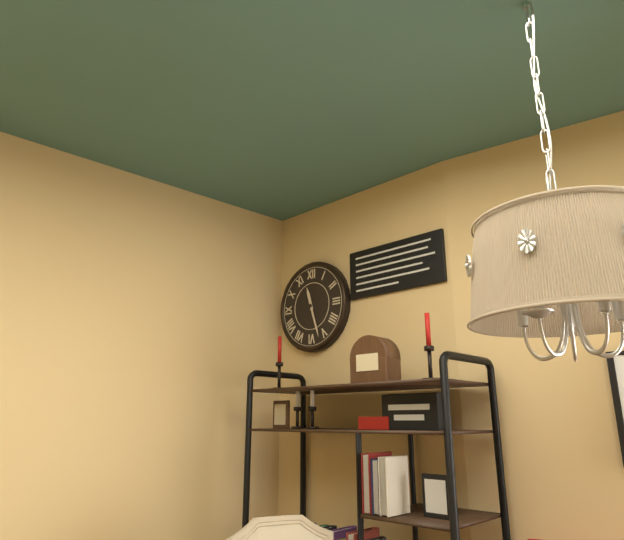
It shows {"hour": 11, "minute": 27}
